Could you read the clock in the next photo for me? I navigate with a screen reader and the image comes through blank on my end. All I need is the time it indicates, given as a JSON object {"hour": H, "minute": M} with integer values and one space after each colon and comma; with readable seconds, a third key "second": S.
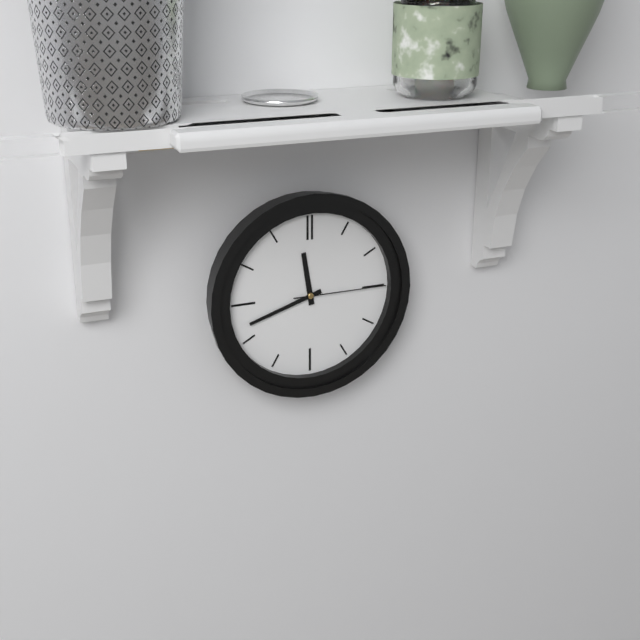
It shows {"hour": 11, "minute": 42, "second": 15}
